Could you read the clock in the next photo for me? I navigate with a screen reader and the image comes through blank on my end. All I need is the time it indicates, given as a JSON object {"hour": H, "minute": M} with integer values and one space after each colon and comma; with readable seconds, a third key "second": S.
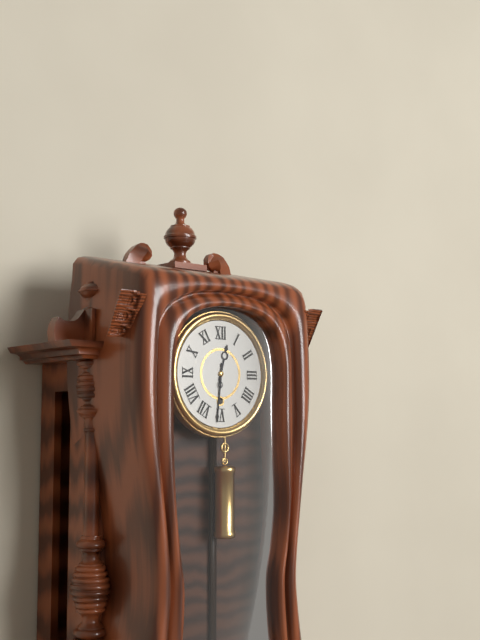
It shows {"hour": 12, "minute": 31}
